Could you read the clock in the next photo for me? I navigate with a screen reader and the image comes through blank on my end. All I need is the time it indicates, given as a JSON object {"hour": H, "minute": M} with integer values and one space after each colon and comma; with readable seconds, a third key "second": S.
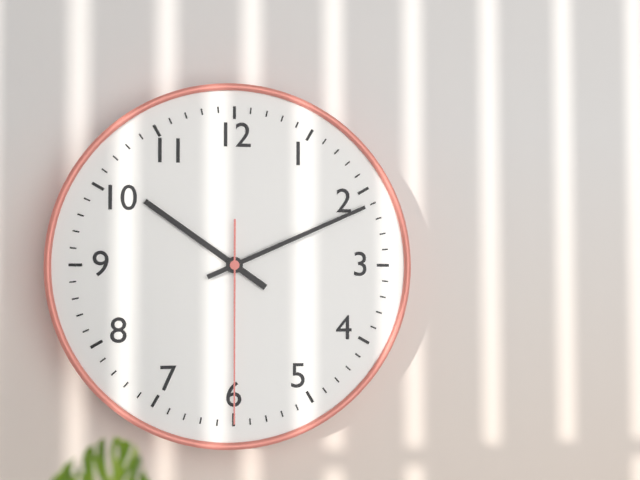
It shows {"hour": 10, "minute": 11, "second": 30}
